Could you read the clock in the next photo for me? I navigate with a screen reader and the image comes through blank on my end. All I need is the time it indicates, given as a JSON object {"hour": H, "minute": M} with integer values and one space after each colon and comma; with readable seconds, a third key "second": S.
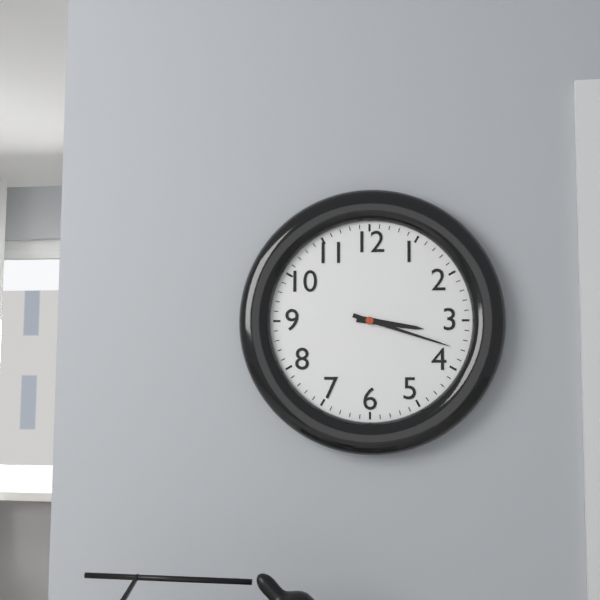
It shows {"hour": 3, "minute": 18}
